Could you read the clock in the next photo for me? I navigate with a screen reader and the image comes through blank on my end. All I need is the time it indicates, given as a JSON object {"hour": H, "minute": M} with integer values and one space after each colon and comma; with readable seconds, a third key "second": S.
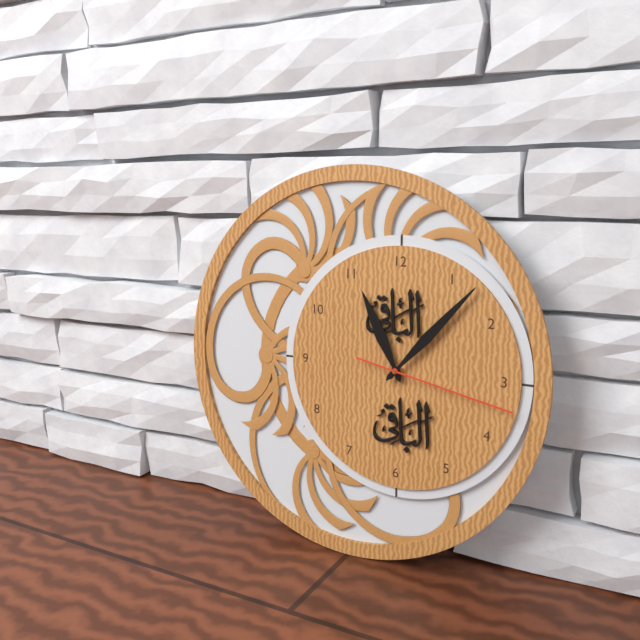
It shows {"hour": 11, "minute": 7, "second": 17}
